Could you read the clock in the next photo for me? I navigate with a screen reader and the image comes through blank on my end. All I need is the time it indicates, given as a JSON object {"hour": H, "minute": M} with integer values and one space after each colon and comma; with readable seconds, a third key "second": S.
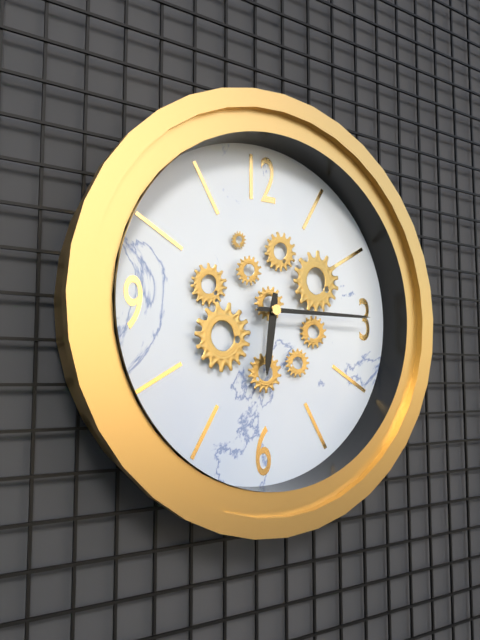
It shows {"hour": 6, "minute": 15}
